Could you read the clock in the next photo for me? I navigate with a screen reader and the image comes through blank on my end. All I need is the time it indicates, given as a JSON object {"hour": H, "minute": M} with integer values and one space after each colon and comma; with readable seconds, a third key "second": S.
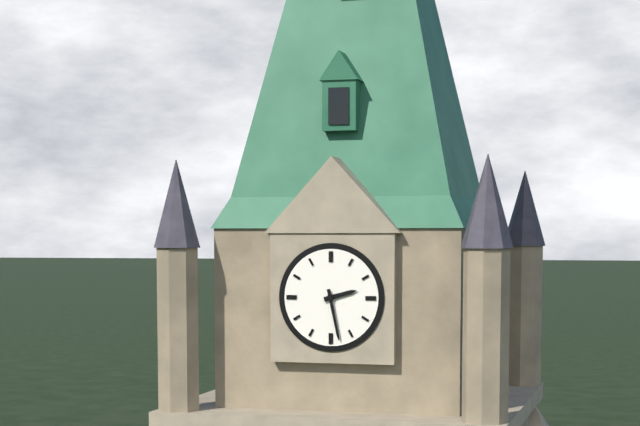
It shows {"hour": 2, "minute": 28}
